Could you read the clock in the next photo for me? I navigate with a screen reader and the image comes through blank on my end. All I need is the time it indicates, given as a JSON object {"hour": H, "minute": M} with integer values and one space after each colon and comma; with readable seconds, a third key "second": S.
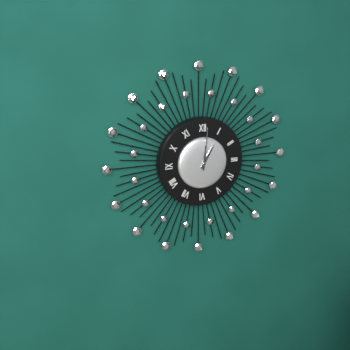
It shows {"hour": 1, "minute": 1}
